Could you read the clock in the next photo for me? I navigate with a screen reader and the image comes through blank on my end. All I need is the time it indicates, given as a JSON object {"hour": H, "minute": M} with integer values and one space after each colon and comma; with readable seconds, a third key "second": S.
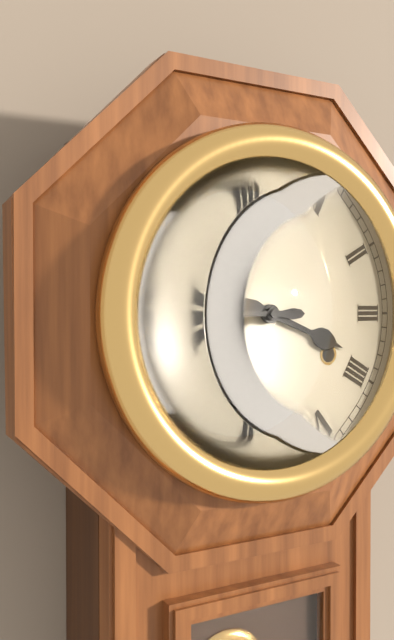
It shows {"hour": 3, "minute": 45}
